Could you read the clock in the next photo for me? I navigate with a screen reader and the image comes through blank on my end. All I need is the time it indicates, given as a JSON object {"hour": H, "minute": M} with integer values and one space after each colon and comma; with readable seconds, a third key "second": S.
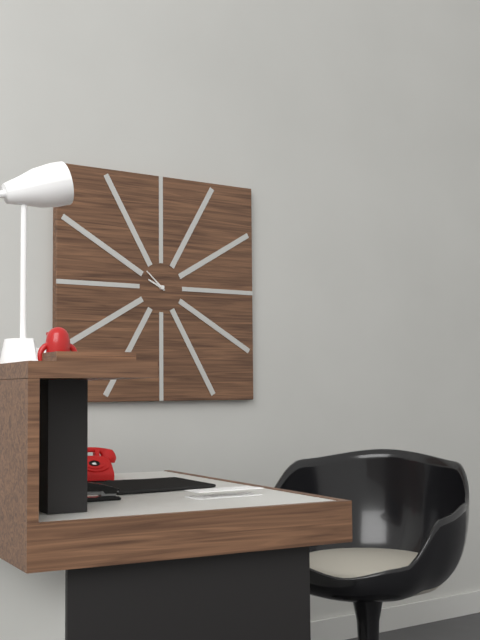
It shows {"hour": 9, "minute": 52}
